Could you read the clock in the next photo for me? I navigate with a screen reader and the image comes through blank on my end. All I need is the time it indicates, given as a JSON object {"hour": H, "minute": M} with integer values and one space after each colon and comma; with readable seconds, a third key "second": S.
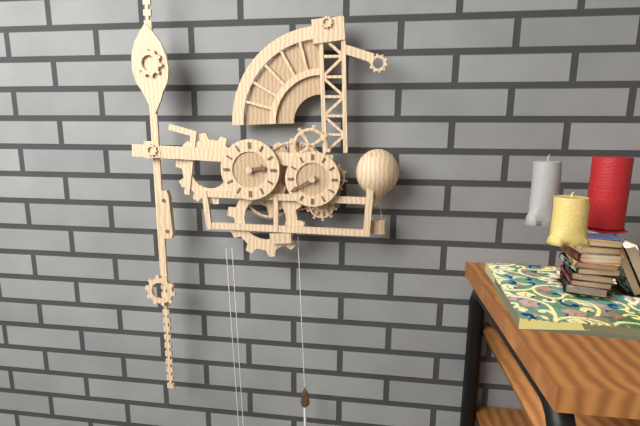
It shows {"hour": 2, "minute": 40}
